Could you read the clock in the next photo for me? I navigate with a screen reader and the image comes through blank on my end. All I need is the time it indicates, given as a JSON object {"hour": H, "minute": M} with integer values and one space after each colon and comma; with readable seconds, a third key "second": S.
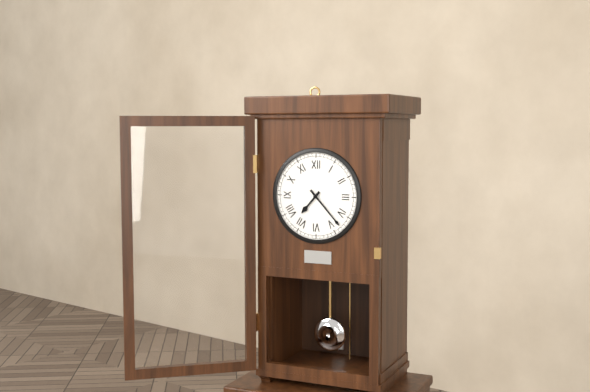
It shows {"hour": 7, "minute": 23}
